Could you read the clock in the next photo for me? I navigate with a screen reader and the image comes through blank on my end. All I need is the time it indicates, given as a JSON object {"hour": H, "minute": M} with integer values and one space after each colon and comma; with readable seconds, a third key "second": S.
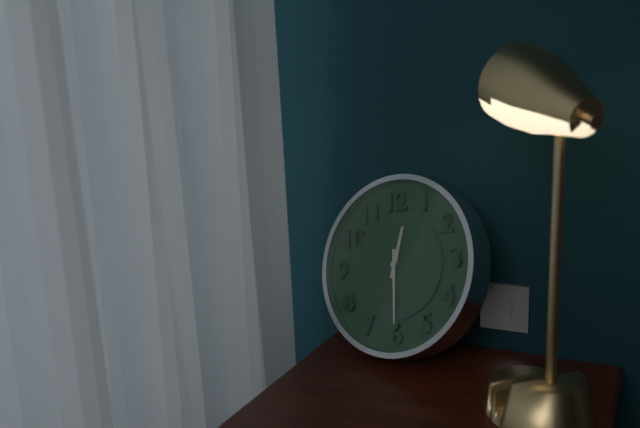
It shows {"hour": 12, "minute": 30}
